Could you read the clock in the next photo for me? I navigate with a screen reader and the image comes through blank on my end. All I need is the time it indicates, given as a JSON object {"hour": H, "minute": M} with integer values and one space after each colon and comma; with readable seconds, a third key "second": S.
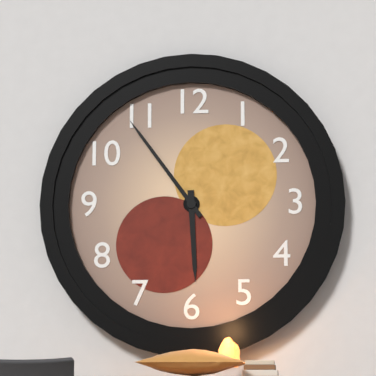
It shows {"hour": 5, "minute": 54}
